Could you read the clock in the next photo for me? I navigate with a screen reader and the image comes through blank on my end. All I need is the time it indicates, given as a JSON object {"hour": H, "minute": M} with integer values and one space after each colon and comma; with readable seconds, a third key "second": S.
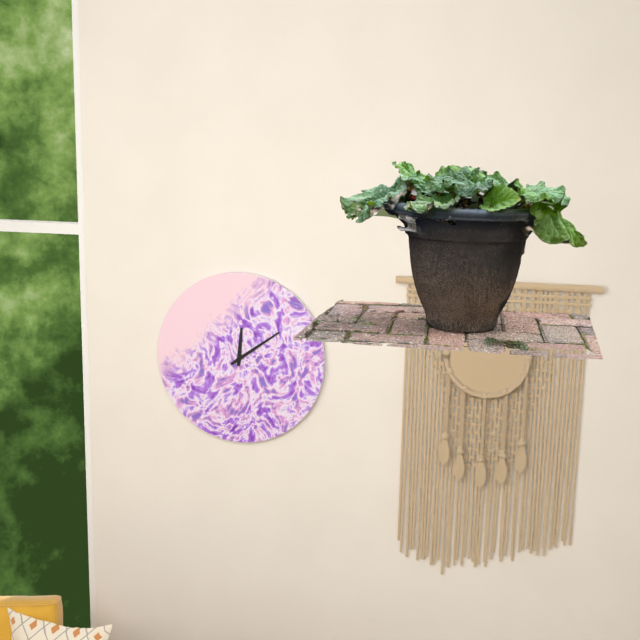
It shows {"hour": 12, "minute": 9}
